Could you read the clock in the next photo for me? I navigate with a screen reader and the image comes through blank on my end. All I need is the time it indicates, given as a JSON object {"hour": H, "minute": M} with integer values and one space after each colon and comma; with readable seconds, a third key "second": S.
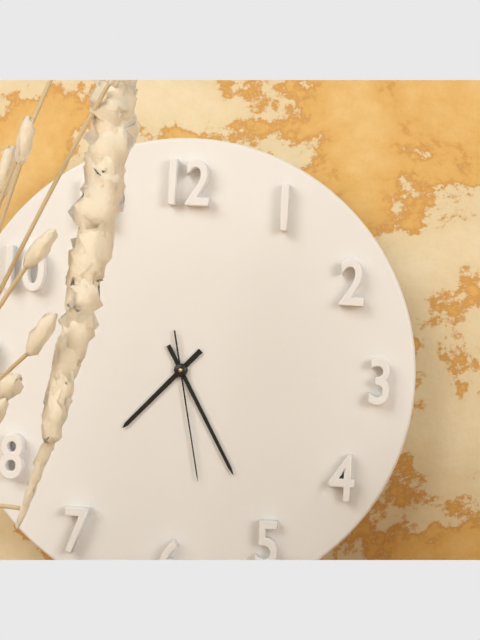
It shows {"hour": 7, "minute": 25, "second": 28}
